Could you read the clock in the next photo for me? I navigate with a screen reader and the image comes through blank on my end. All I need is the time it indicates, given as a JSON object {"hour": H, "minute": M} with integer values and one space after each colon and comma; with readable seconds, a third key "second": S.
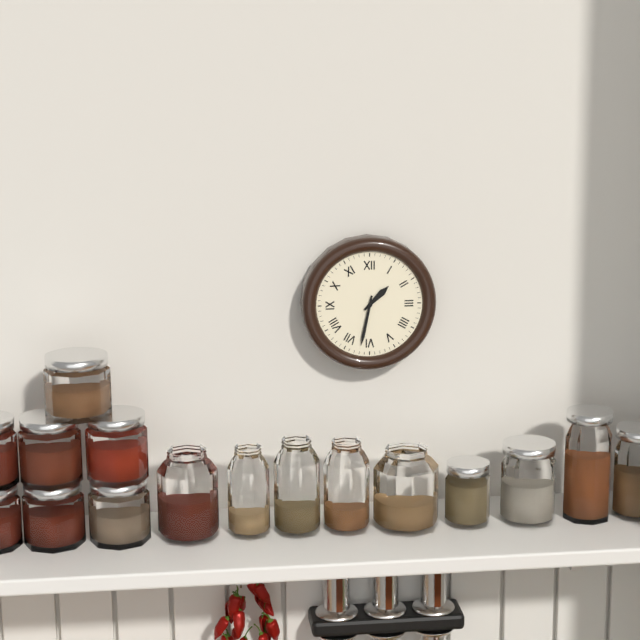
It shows {"hour": 1, "minute": 32}
